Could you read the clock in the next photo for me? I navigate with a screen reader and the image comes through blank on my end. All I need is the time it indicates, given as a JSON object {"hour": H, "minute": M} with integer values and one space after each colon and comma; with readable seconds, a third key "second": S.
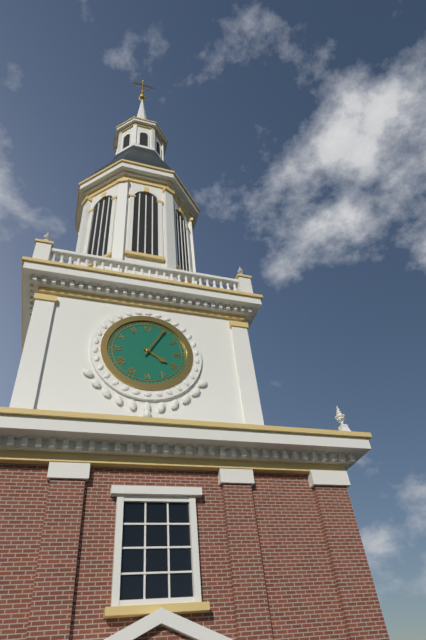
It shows {"hour": 4, "minute": 5}
